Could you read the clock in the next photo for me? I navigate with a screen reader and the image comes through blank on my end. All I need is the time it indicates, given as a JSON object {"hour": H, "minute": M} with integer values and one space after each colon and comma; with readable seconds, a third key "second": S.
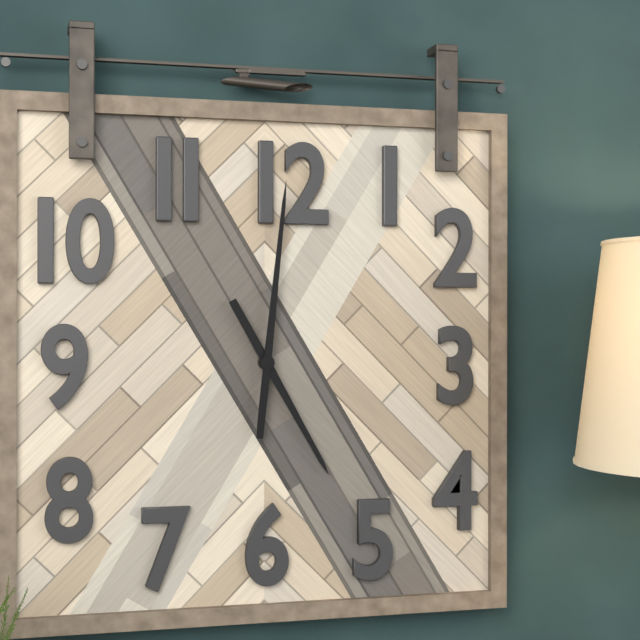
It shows {"hour": 5, "minute": 1}
